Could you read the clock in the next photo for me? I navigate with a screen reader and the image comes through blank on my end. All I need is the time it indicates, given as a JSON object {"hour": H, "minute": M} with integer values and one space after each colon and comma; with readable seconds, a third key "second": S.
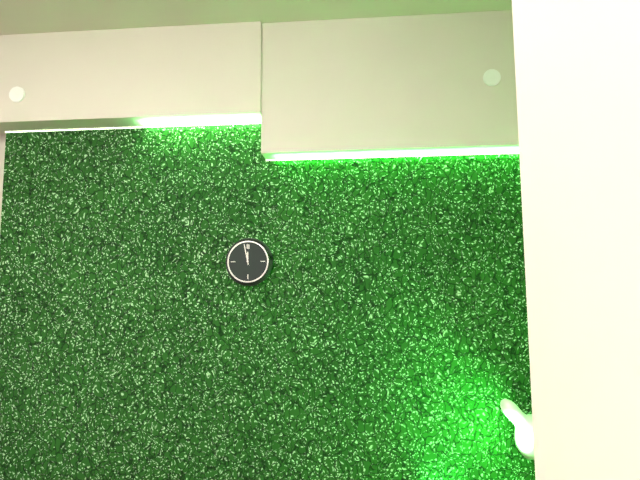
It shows {"hour": 11, "minute": 58}
